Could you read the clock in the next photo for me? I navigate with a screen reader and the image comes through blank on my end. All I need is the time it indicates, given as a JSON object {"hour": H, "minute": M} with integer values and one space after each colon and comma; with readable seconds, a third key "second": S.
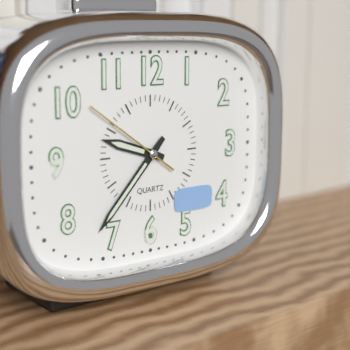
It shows {"hour": 9, "minute": 37, "second": 51}
